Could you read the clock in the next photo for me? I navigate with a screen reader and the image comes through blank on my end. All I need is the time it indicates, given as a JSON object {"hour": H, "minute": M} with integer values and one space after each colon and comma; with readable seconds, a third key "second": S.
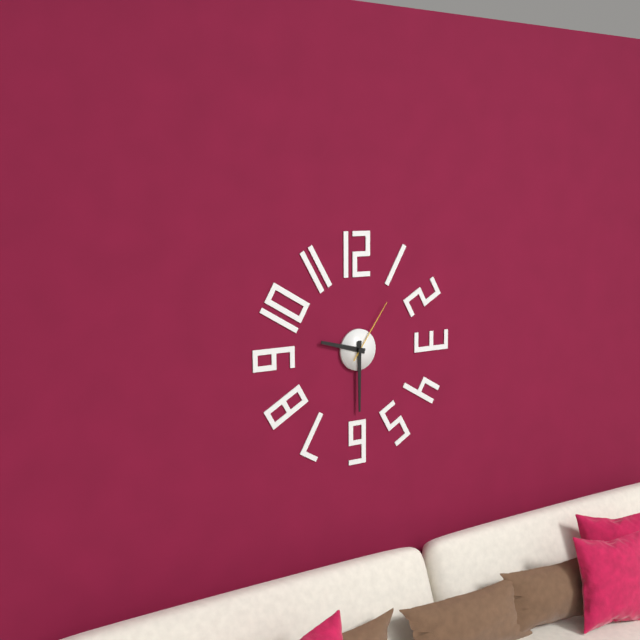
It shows {"hour": 9, "minute": 30, "second": 6}
